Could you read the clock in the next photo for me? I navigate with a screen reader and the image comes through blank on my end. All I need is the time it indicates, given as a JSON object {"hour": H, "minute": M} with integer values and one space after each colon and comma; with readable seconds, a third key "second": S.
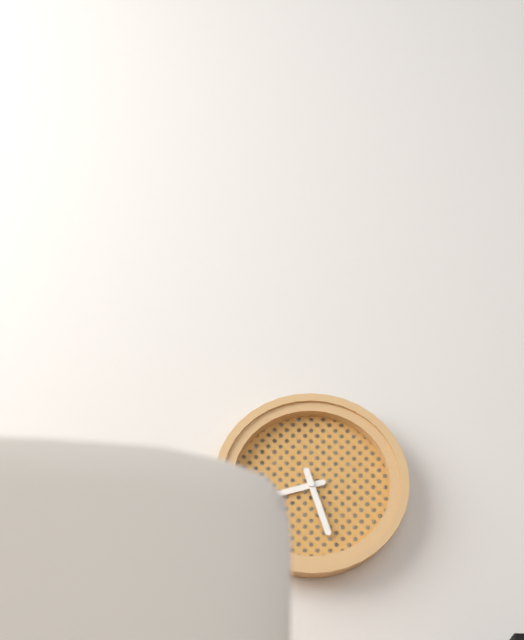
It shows {"hour": 8, "minute": 27}
